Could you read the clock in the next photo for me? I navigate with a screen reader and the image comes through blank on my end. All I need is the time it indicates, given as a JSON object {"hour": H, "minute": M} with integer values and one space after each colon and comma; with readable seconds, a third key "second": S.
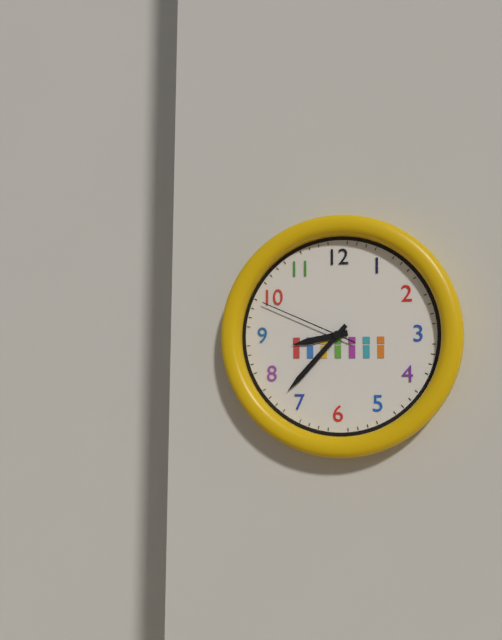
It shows {"hour": 8, "minute": 37, "second": 49}
